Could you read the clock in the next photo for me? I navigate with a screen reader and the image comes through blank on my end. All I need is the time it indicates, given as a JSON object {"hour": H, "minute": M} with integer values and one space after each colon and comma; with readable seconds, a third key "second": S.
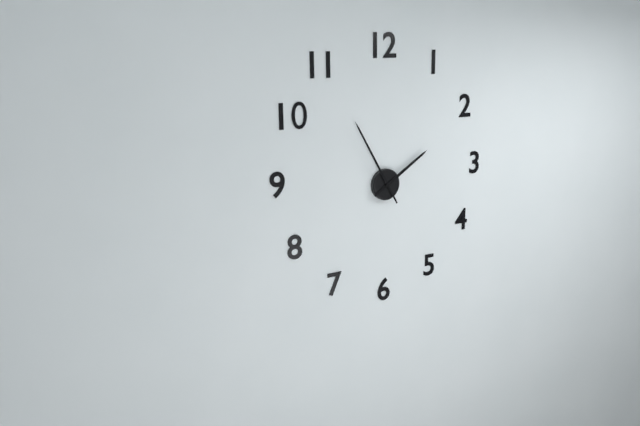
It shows {"hour": 1, "minute": 55}
